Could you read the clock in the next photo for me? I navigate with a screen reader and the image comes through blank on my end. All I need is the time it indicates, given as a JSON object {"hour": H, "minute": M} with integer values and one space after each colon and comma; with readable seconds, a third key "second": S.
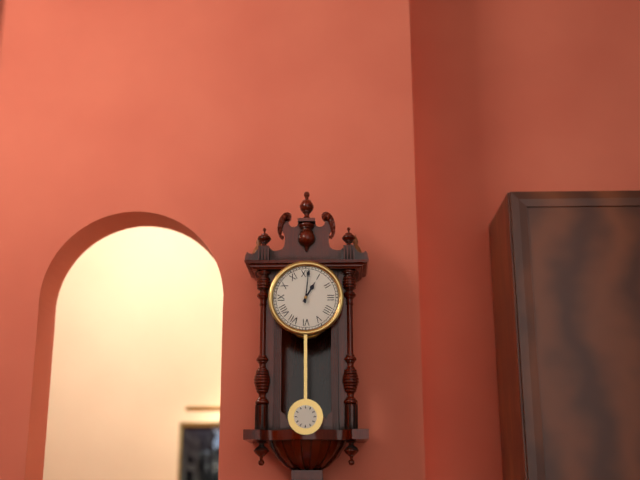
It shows {"hour": 1, "minute": 1}
